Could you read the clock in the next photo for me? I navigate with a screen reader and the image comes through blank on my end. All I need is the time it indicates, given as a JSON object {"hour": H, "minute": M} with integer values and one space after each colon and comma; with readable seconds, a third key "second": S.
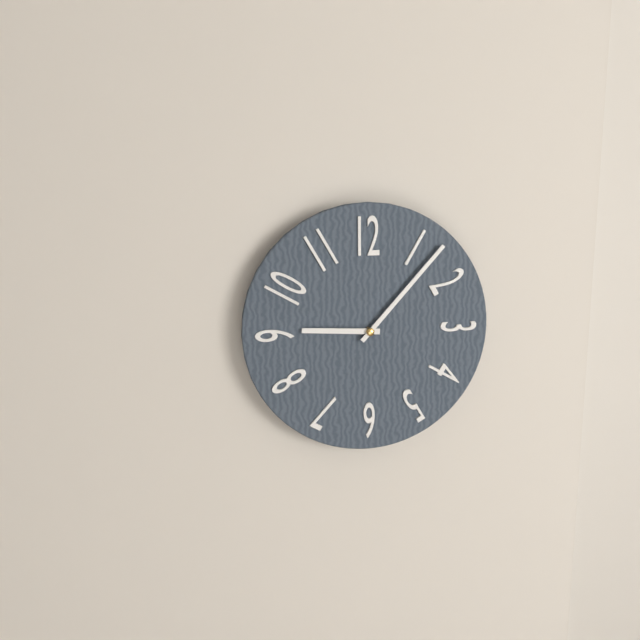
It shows {"hour": 9, "minute": 7}
